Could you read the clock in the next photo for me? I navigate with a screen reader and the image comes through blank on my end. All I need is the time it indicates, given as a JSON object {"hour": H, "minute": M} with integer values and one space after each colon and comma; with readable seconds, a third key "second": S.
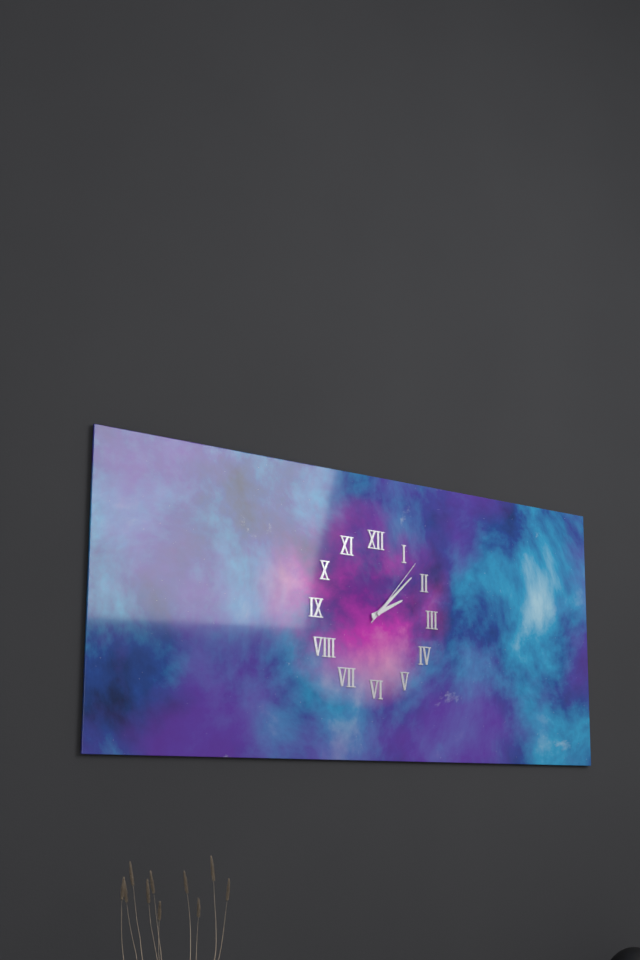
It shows {"hour": 2, "minute": 8, "second": 7}
